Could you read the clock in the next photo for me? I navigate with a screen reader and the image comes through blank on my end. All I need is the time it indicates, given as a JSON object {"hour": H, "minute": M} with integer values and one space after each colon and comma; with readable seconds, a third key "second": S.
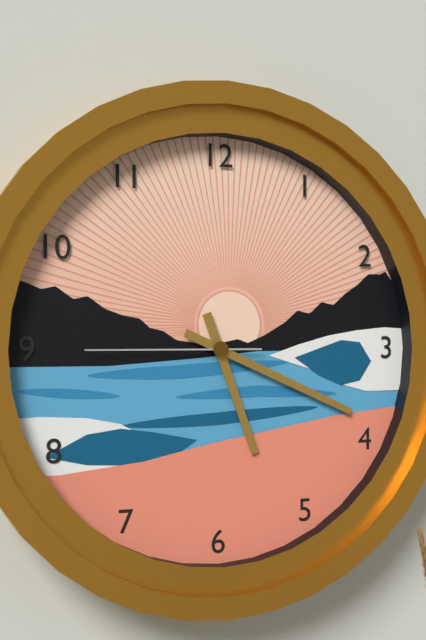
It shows {"hour": 5, "minute": 19, "second": 45}
